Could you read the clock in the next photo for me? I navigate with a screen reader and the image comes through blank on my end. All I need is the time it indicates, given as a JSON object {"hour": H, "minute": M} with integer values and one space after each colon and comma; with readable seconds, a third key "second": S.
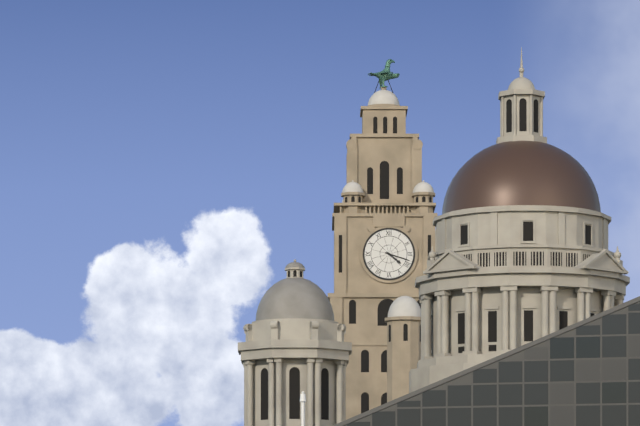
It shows {"hour": 4, "minute": 18}
